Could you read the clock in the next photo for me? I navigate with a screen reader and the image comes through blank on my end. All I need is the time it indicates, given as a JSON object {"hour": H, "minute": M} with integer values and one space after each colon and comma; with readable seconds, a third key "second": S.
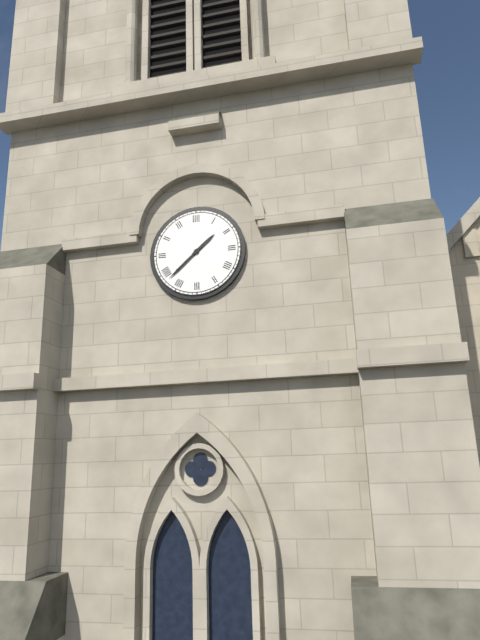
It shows {"hour": 1, "minute": 38}
